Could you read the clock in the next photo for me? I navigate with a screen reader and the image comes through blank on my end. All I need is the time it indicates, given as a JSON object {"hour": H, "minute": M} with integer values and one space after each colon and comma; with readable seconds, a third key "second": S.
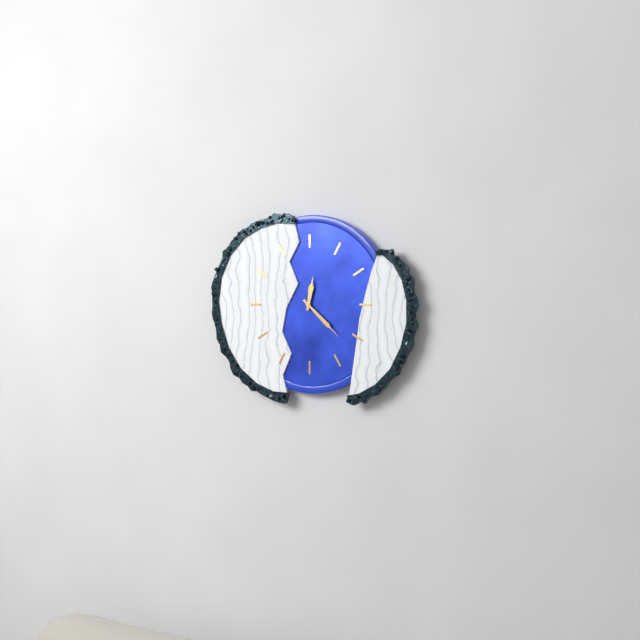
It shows {"hour": 12, "minute": 22}
